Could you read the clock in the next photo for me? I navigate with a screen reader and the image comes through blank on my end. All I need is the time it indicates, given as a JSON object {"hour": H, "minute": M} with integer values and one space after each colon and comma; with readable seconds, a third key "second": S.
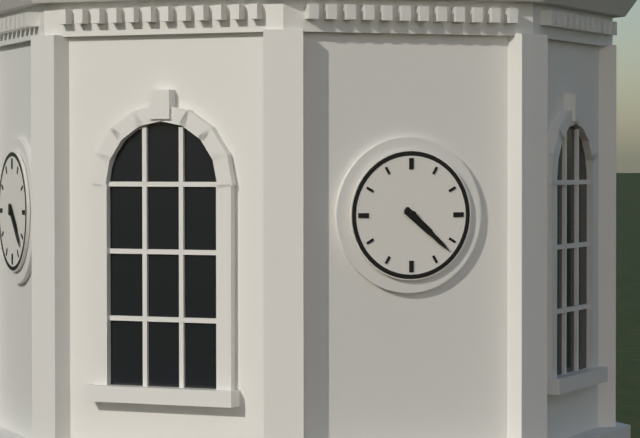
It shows {"hour": 4, "minute": 22}
